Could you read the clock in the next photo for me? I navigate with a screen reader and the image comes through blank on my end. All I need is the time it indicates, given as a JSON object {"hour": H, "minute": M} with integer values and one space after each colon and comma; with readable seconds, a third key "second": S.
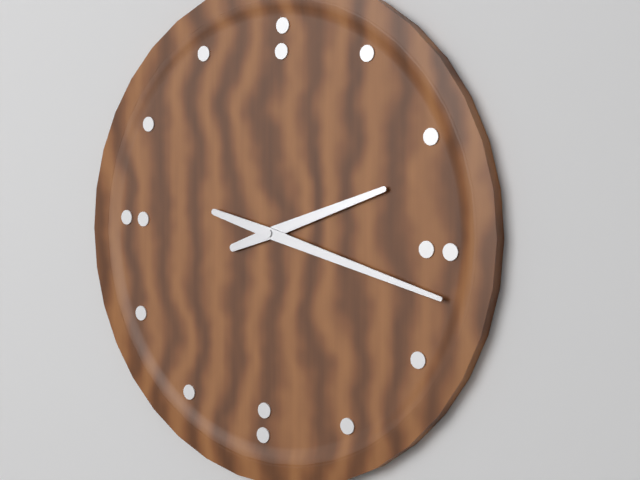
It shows {"hour": 2, "minute": 17}
